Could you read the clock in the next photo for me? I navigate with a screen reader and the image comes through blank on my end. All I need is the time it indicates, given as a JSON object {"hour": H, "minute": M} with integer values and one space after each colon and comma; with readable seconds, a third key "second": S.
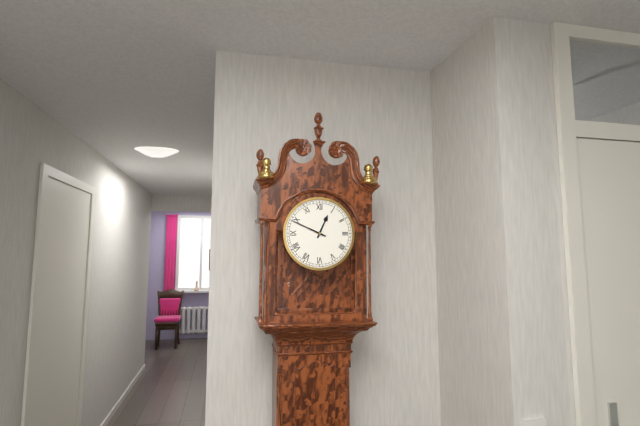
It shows {"hour": 12, "minute": 49}
